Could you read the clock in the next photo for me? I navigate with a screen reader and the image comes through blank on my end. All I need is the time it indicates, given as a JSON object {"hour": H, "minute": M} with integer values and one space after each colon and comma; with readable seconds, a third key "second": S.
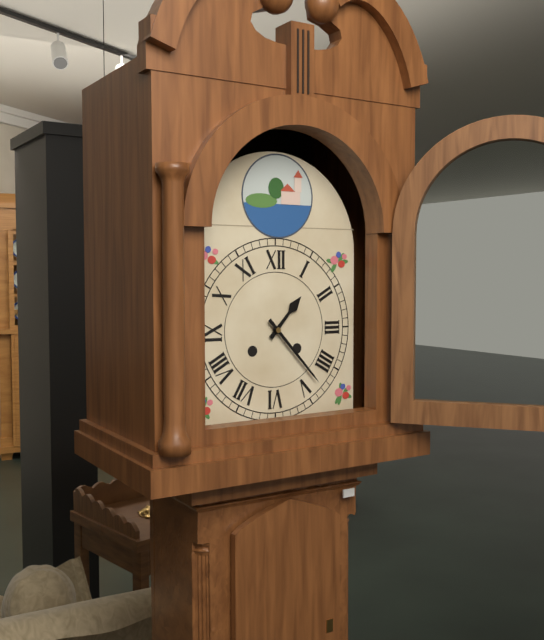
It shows {"hour": 1, "minute": 23}
